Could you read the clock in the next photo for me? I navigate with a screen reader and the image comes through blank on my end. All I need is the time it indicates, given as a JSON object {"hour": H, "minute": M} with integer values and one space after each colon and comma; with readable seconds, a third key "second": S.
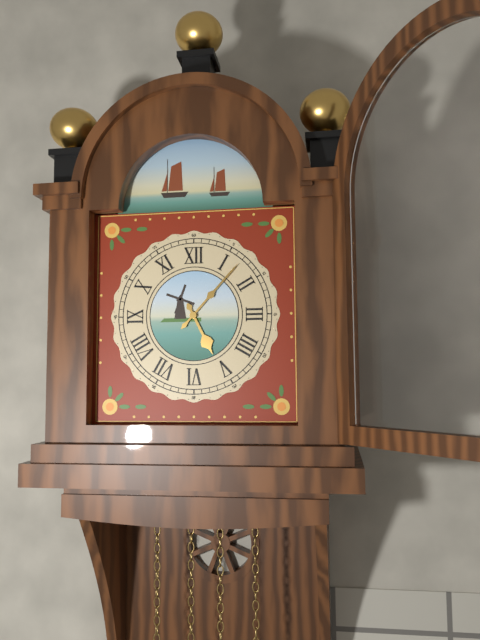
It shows {"hour": 5, "minute": 7}
